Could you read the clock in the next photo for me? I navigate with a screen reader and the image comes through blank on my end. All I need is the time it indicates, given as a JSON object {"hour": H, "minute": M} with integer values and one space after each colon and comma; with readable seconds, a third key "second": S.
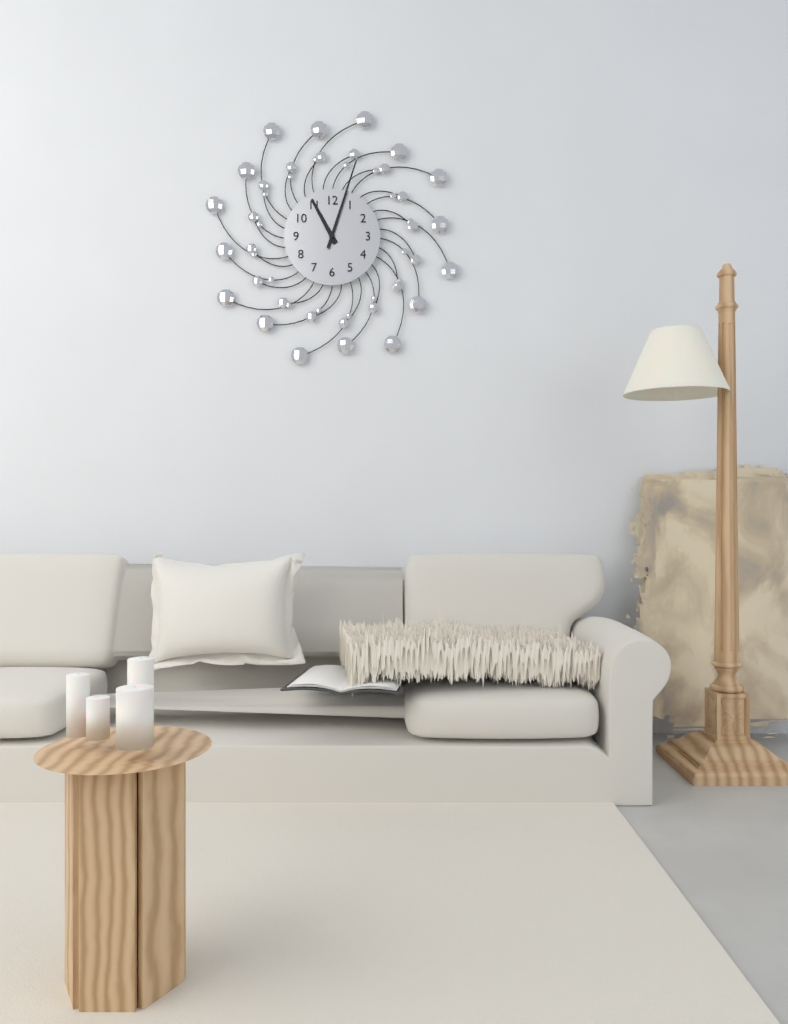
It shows {"hour": 11, "minute": 3}
